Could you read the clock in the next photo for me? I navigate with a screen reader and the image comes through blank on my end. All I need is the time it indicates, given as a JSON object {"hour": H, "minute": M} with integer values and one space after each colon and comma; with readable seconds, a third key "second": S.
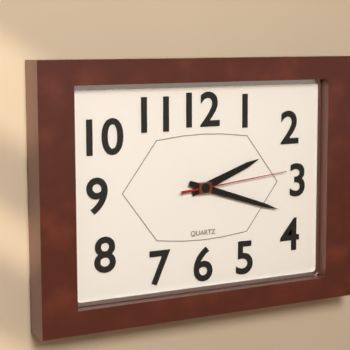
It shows {"hour": 2, "minute": 18, "second": 14}
